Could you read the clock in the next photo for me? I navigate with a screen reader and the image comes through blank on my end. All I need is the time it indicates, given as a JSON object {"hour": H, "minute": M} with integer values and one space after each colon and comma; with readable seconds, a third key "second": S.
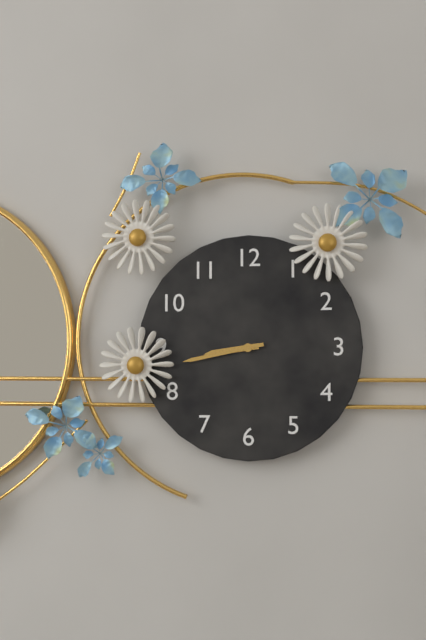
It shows {"hour": 8, "minute": 43}
